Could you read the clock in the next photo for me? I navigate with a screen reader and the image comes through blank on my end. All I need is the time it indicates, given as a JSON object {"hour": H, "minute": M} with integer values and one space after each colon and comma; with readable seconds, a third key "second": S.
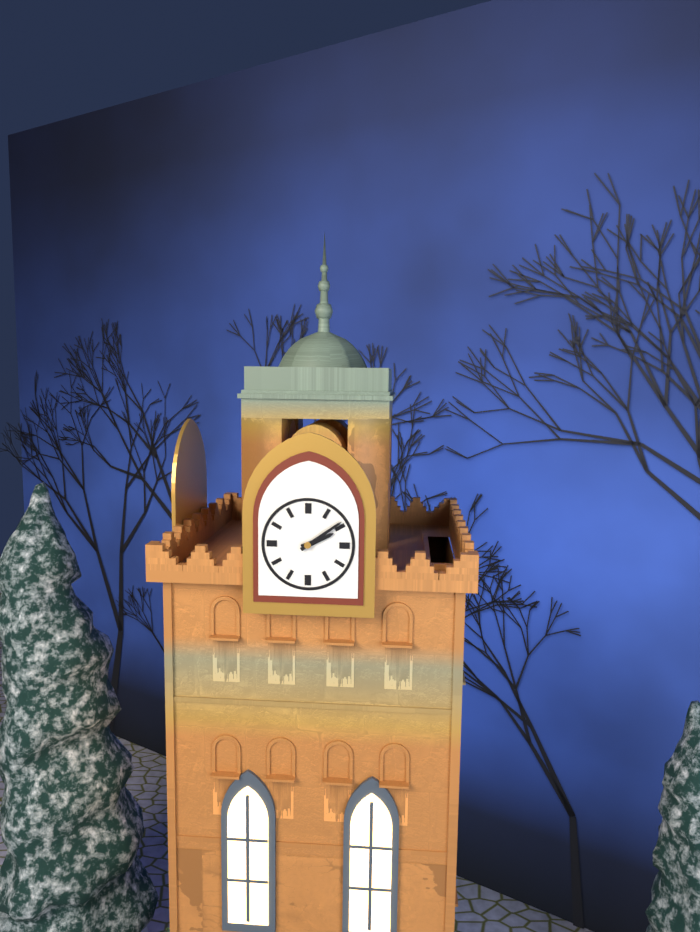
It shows {"hour": 2, "minute": 9}
